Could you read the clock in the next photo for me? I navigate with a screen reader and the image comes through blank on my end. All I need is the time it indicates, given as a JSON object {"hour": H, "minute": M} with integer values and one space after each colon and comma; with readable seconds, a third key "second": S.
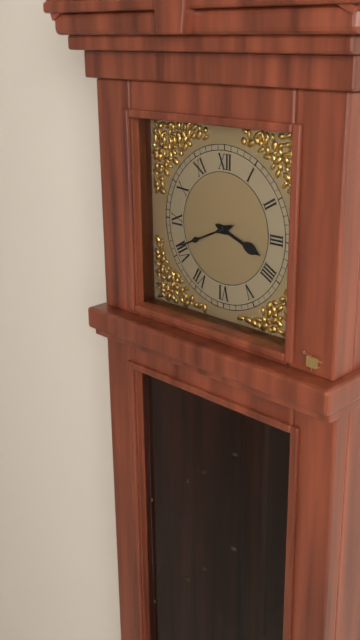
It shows {"hour": 3, "minute": 41}
